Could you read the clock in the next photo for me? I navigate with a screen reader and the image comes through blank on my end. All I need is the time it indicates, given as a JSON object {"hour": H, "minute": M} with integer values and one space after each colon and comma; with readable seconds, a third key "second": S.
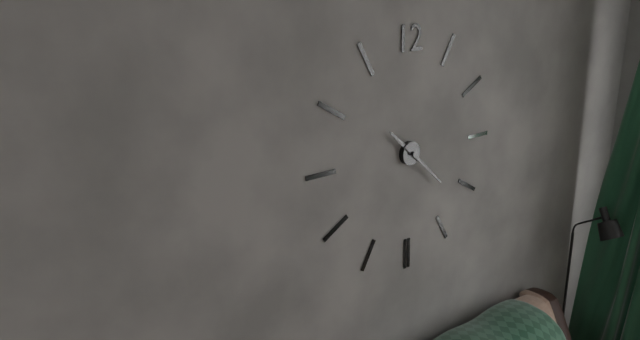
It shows {"hour": 10, "minute": 22}
